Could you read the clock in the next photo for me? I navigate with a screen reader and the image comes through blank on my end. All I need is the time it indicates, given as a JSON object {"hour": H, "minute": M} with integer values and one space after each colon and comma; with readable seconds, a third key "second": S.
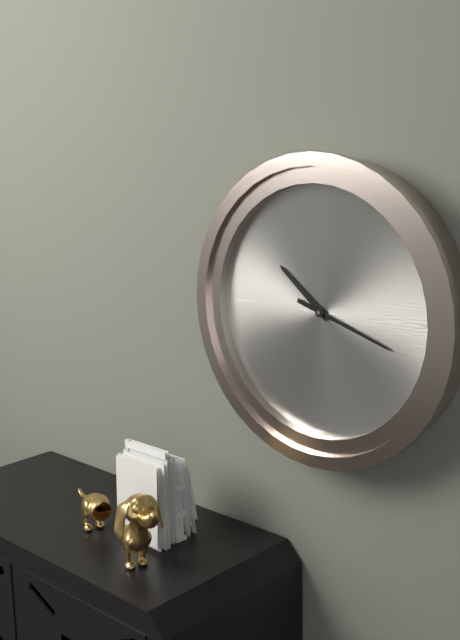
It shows {"hour": 10, "minute": 18}
